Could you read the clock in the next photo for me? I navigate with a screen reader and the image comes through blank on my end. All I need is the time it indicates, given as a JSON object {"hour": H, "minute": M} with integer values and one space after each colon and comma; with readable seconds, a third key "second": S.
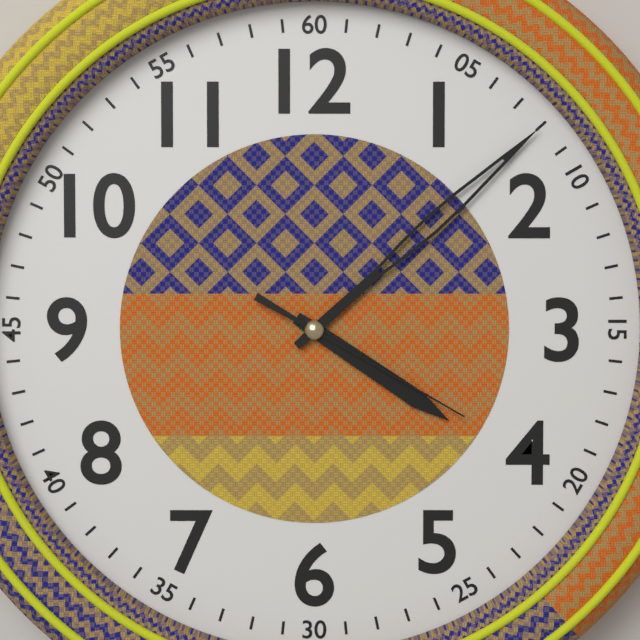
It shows {"hour": 4, "minute": 8, "second": 20}
